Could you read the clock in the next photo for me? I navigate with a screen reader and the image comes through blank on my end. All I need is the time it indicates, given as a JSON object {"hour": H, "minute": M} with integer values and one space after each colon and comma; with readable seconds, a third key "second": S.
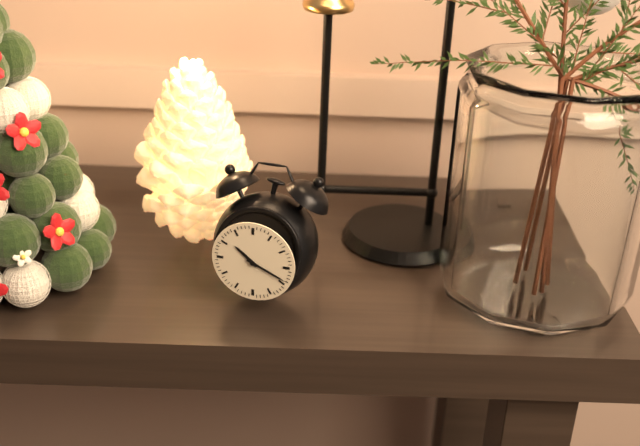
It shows {"hour": 10, "minute": 19}
